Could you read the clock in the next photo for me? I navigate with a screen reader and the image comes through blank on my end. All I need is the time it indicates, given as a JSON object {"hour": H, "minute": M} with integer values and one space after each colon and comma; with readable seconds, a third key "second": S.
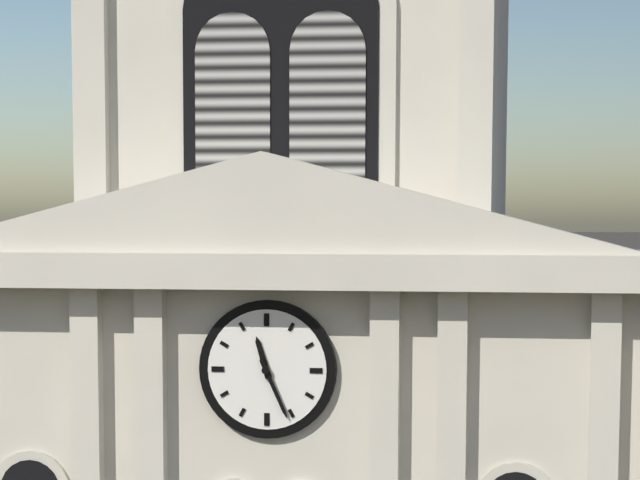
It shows {"hour": 11, "minute": 26}
